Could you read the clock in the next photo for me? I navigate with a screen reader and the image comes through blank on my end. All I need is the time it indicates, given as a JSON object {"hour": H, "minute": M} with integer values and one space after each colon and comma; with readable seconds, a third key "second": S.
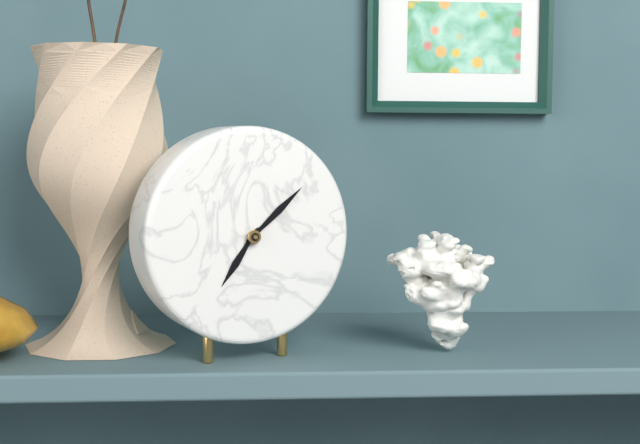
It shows {"hour": 7, "minute": 8}
